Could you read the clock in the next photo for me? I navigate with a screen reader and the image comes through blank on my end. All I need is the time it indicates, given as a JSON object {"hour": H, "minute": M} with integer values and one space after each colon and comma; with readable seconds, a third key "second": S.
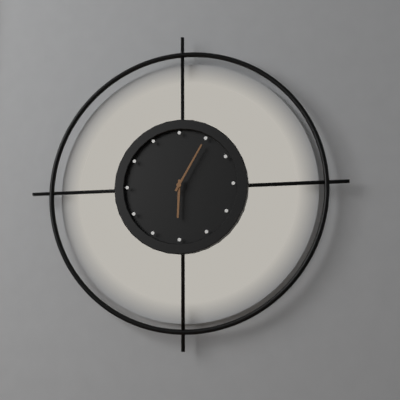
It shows {"hour": 6, "minute": 5}
